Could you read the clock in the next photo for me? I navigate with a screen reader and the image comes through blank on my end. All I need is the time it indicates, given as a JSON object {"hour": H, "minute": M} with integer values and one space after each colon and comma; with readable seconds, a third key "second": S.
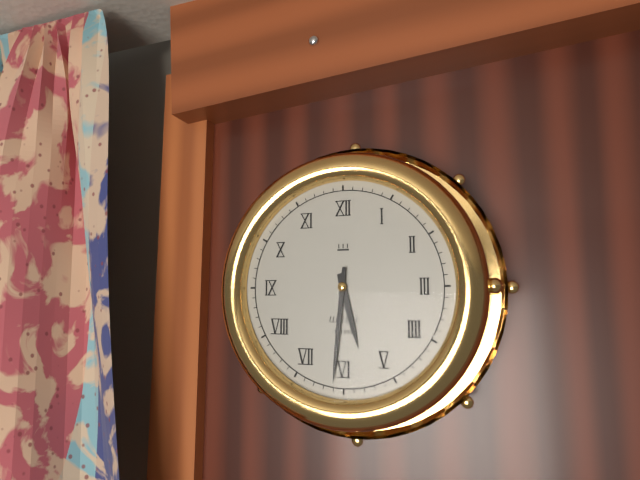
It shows {"hour": 5, "minute": 31}
